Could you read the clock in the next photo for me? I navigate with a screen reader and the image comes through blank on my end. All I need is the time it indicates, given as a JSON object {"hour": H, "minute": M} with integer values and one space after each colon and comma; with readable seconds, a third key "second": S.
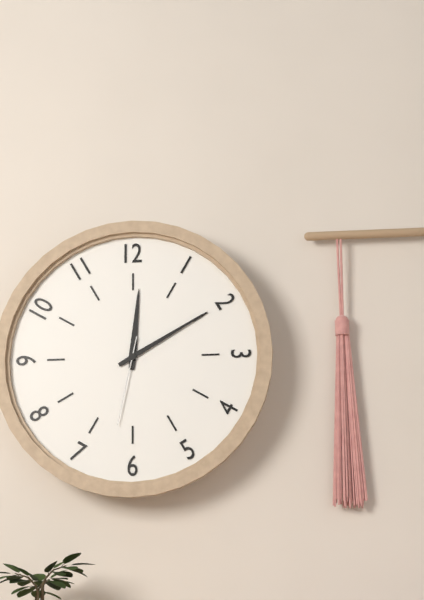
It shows {"hour": 12, "minute": 10, "second": 32}
